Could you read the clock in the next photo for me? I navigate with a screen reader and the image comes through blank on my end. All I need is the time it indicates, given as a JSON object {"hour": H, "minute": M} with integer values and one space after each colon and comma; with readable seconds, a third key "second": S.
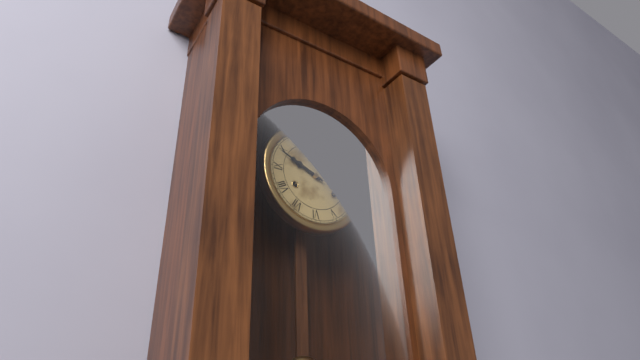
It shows {"hour": 9, "minute": 49}
